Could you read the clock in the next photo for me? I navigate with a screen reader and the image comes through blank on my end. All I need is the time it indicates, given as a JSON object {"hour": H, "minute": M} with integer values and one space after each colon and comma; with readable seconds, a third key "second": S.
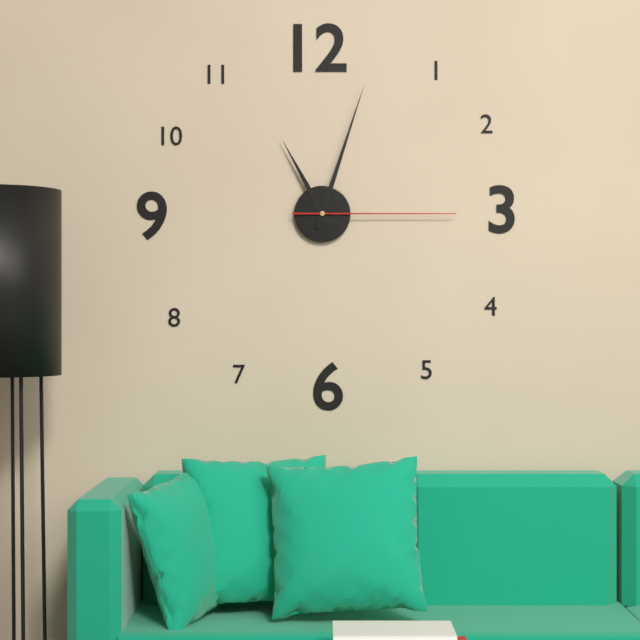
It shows {"hour": 11, "minute": 3, "second": 15}
